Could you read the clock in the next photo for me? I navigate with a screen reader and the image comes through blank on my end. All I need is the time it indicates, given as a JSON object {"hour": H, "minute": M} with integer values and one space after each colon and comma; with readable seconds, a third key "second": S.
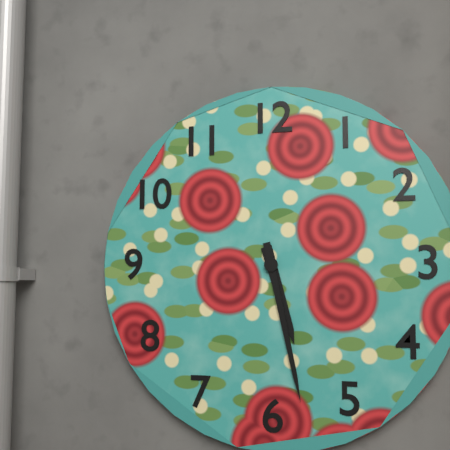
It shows {"hour": 5, "minute": 28}
